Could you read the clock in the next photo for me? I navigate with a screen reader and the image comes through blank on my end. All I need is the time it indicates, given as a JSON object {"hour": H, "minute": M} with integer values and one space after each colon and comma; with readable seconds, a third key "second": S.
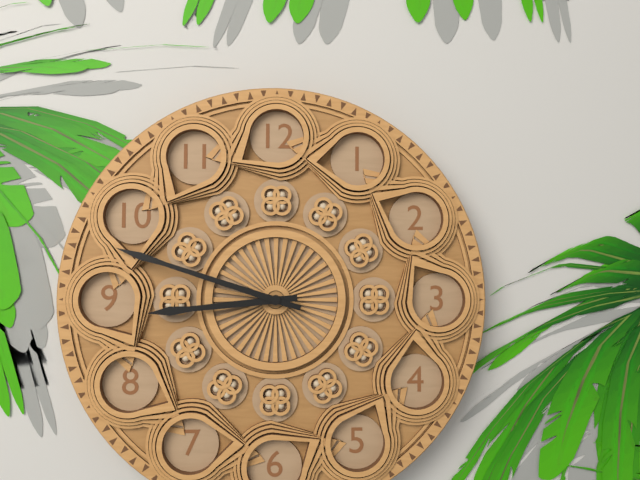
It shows {"hour": 8, "minute": 48}
